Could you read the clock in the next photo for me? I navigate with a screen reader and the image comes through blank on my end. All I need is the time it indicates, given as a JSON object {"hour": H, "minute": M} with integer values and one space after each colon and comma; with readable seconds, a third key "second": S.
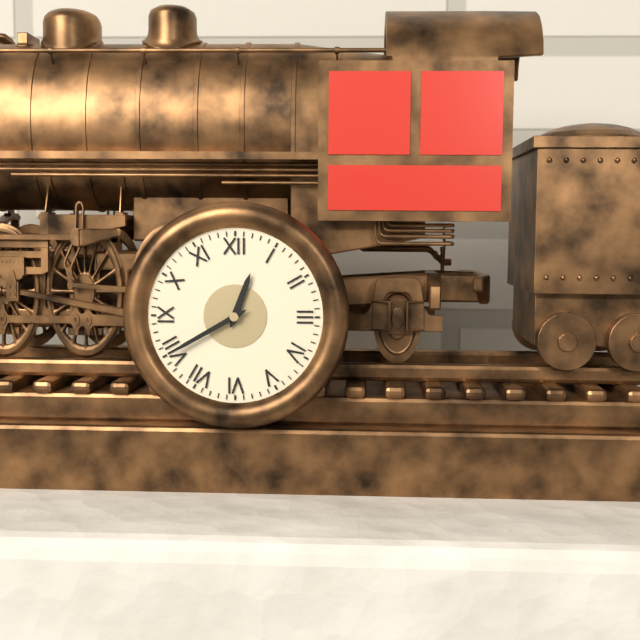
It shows {"hour": 12, "minute": 40}
